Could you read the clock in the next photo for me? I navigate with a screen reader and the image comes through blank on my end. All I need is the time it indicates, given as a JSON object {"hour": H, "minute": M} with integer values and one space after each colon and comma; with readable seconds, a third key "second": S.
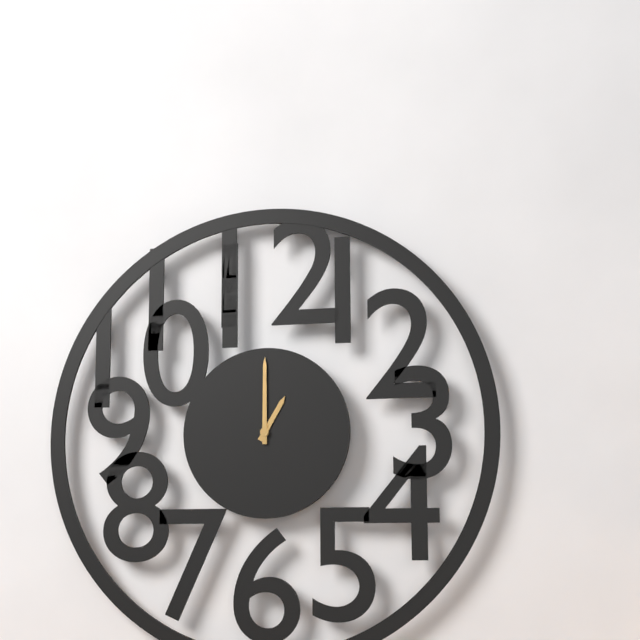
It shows {"hour": 1, "minute": 0}
